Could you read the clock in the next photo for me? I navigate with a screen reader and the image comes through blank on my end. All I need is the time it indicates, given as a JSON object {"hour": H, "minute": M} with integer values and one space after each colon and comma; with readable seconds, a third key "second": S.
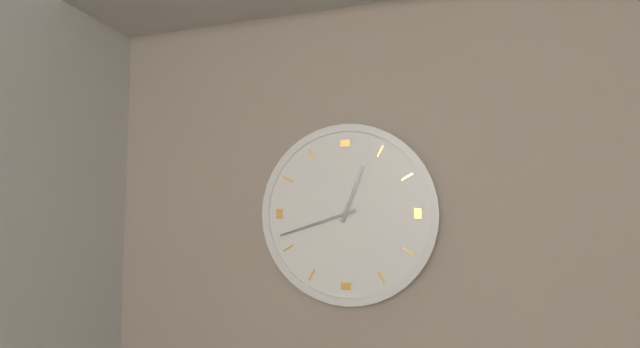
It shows {"hour": 12, "minute": 42}
